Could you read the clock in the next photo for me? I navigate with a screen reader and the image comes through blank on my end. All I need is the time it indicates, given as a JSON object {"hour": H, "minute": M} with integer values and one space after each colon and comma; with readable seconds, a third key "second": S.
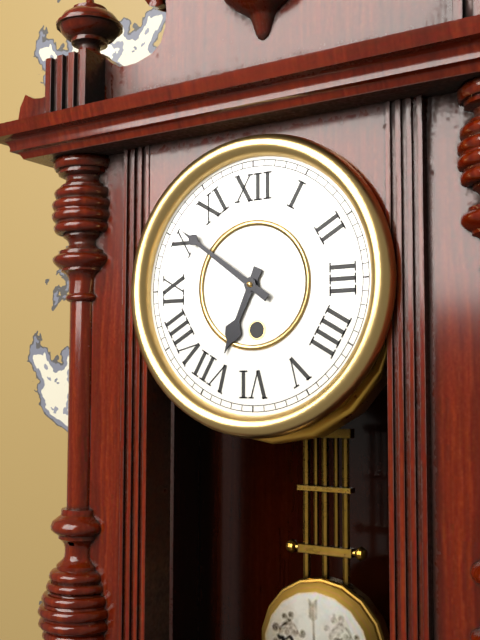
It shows {"hour": 6, "minute": 51}
